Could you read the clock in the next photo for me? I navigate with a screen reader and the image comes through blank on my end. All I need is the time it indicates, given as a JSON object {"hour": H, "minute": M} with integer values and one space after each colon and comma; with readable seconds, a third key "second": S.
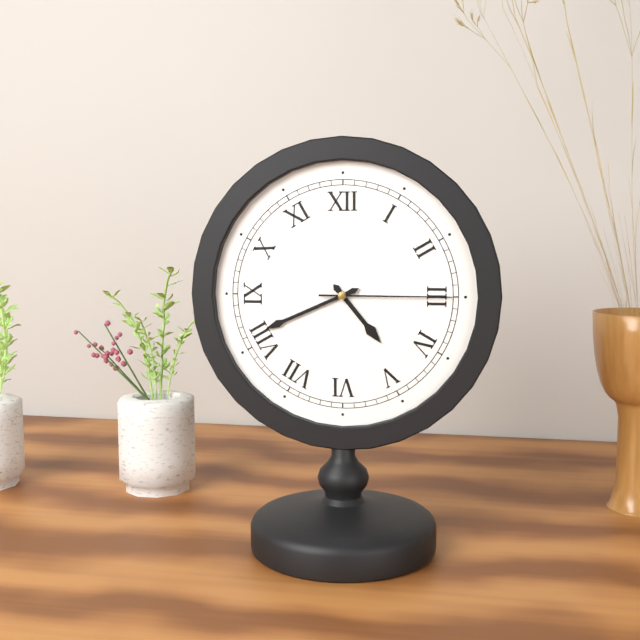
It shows {"hour": 4, "minute": 41, "second": 15}
